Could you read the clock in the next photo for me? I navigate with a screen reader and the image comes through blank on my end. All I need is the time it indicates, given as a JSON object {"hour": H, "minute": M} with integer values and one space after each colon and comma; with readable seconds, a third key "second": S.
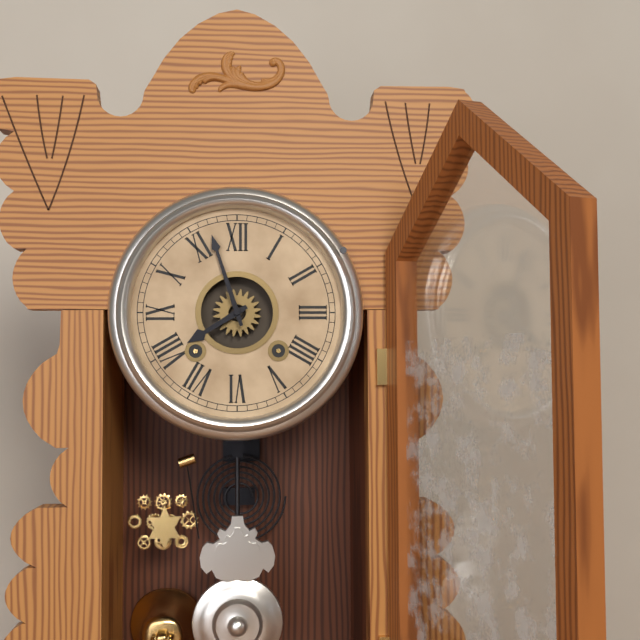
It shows {"hour": 7, "minute": 57}
